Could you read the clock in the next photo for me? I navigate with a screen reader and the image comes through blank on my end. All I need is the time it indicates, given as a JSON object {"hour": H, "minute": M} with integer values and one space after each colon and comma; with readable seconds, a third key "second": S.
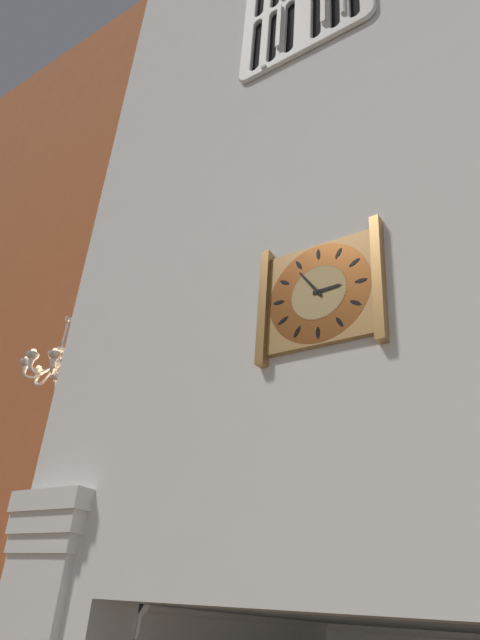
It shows {"hour": 2, "minute": 54}
